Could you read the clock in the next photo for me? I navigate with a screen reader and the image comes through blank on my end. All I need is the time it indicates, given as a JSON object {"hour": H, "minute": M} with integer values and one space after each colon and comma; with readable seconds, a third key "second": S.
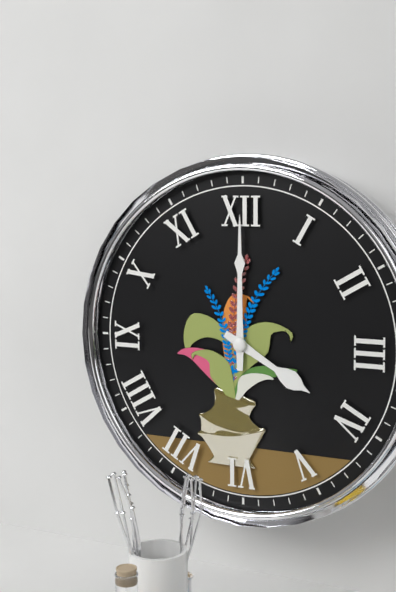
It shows {"hour": 4, "minute": 0}
